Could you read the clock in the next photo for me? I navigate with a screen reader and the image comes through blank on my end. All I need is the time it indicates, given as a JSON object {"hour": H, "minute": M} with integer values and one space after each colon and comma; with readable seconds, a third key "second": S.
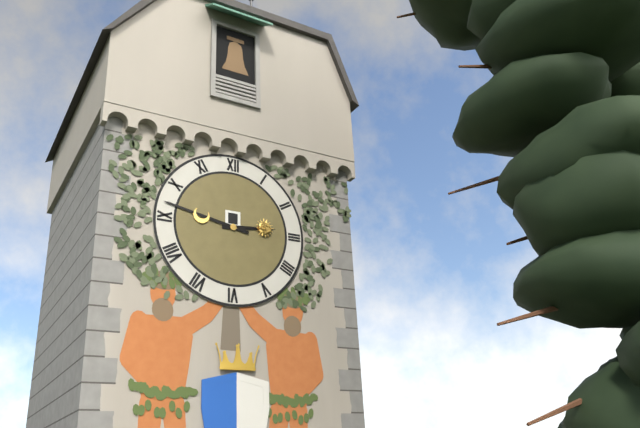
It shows {"hour": 2, "minute": 47}
